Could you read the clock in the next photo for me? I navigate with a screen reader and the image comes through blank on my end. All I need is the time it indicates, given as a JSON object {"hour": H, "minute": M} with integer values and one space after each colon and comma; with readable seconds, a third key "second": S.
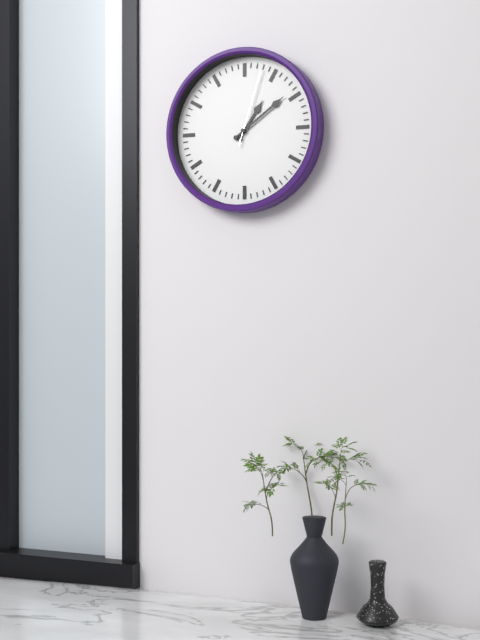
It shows {"hour": 1, "minute": 9, "second": 3}
